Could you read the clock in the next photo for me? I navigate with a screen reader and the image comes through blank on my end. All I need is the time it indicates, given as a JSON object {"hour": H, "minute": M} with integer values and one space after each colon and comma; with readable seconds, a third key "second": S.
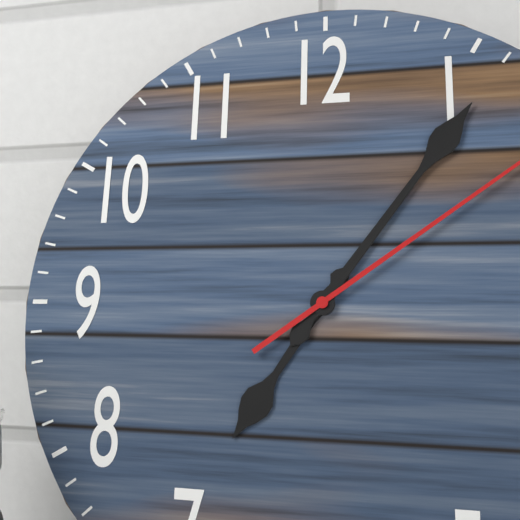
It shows {"hour": 7, "minute": 6}
